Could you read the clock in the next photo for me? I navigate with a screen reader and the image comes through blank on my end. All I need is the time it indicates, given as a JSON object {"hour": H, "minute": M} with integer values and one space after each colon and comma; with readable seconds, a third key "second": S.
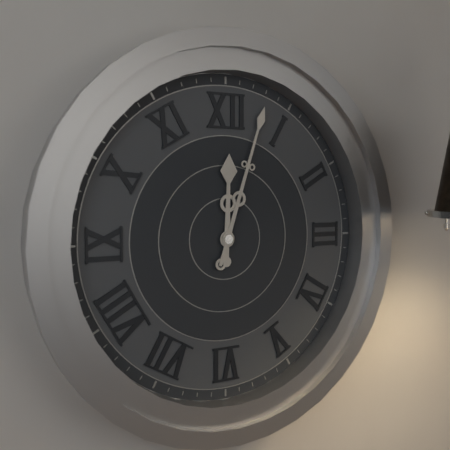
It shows {"hour": 12, "minute": 3}
